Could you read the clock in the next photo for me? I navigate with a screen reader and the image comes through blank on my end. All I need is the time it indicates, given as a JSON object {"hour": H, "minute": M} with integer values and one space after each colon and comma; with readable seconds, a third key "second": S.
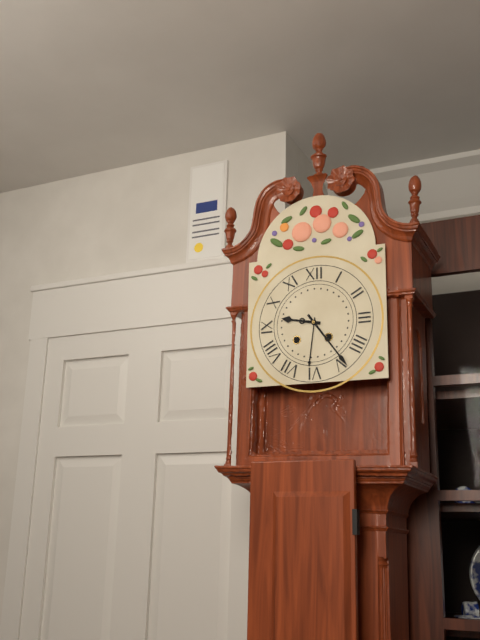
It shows {"hour": 9, "minute": 24}
